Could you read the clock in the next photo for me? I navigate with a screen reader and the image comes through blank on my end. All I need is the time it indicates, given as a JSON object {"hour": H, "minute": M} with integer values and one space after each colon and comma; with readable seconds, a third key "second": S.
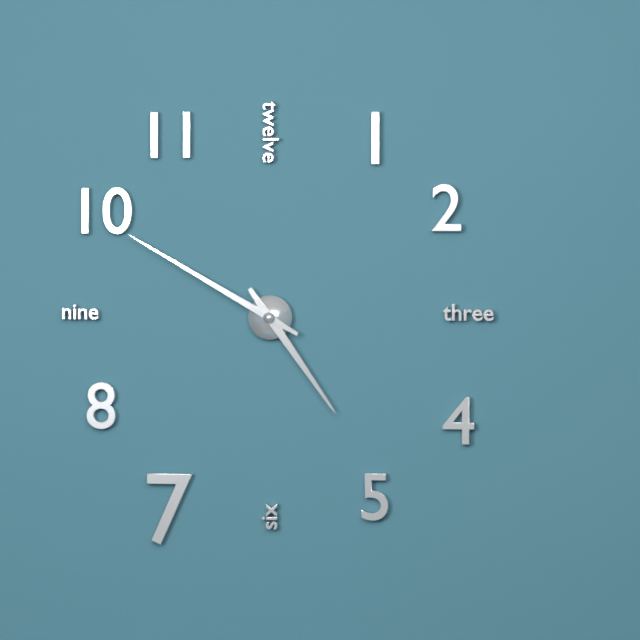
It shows {"hour": 4, "minute": 50}
